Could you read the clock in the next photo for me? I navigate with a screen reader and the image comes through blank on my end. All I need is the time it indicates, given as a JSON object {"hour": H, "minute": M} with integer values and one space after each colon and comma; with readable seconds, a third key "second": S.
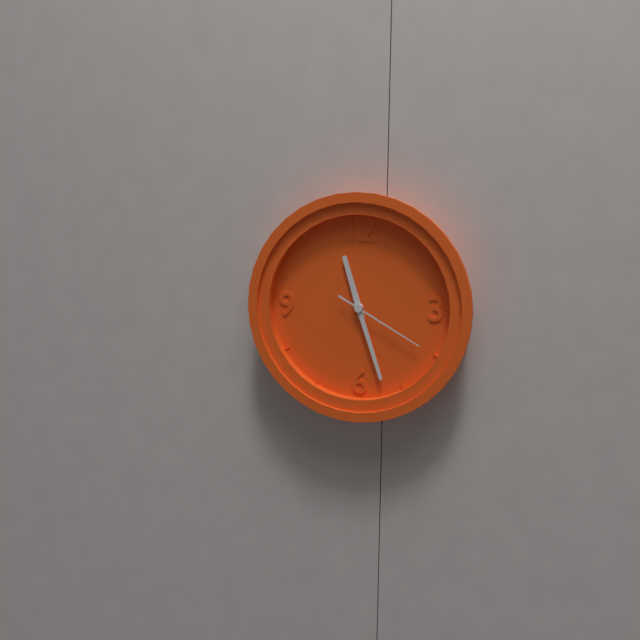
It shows {"hour": 11, "minute": 27, "second": 20}
